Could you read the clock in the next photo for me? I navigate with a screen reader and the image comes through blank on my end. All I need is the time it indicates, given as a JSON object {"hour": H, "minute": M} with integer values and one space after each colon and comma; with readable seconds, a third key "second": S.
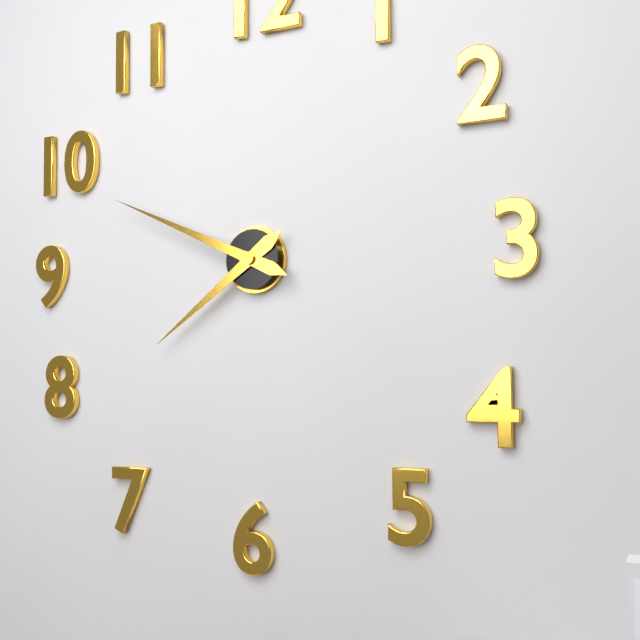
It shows {"hour": 7, "minute": 49}
